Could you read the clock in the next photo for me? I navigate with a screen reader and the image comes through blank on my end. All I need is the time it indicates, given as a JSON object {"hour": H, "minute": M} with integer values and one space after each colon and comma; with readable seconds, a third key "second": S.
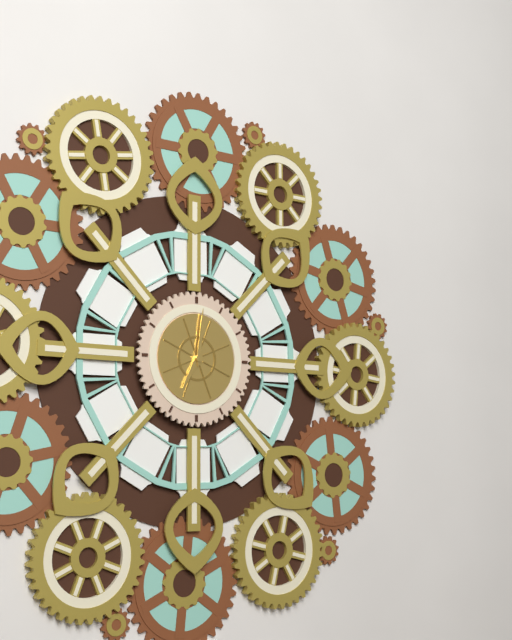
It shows {"hour": 7, "minute": 1}
